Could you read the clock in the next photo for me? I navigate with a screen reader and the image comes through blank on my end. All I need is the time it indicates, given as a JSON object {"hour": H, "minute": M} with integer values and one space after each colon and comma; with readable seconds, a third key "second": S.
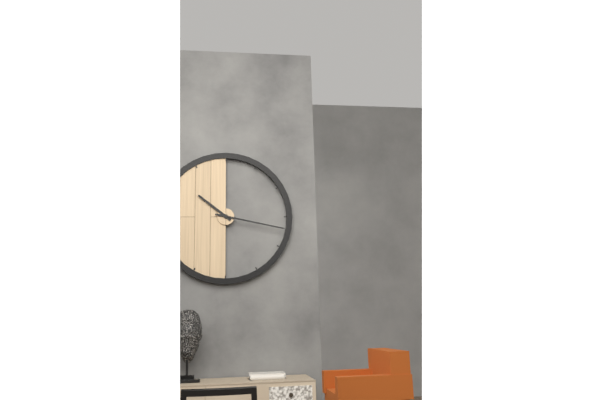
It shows {"hour": 10, "minute": 17}
